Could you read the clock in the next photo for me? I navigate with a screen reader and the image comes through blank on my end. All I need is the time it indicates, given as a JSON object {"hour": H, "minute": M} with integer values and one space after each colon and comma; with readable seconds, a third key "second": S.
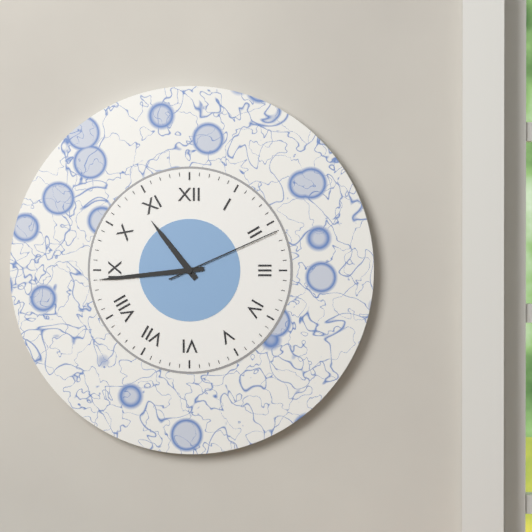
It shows {"hour": 10, "minute": 44, "second": 11}
